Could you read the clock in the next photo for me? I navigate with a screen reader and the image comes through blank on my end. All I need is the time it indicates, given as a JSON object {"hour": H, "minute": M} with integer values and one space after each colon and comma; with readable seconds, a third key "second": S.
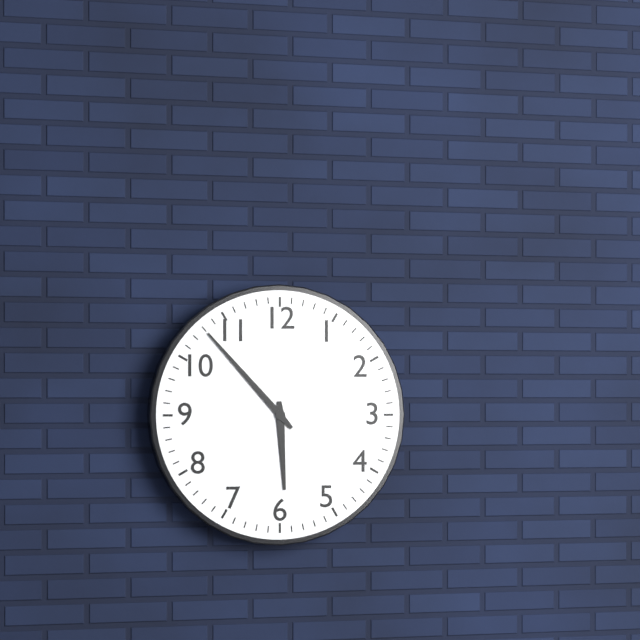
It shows {"hour": 5, "minute": 53}
